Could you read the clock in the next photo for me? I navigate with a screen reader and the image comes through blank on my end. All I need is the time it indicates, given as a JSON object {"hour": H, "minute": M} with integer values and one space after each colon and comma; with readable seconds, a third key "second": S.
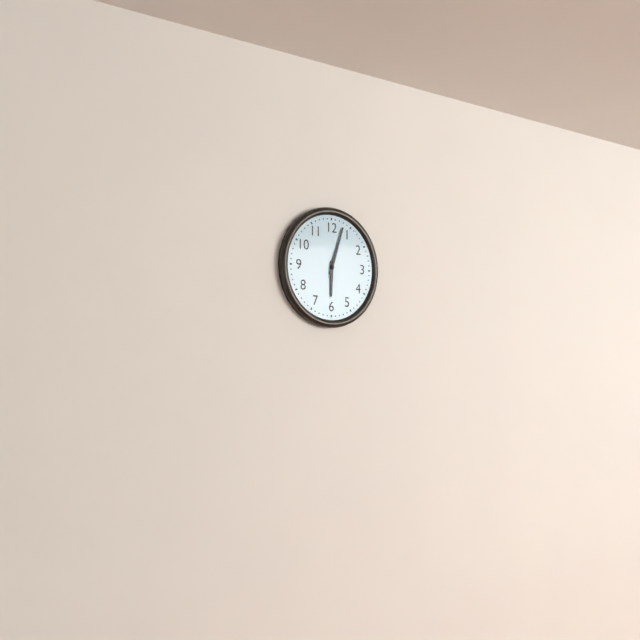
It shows {"hour": 6, "minute": 3}
